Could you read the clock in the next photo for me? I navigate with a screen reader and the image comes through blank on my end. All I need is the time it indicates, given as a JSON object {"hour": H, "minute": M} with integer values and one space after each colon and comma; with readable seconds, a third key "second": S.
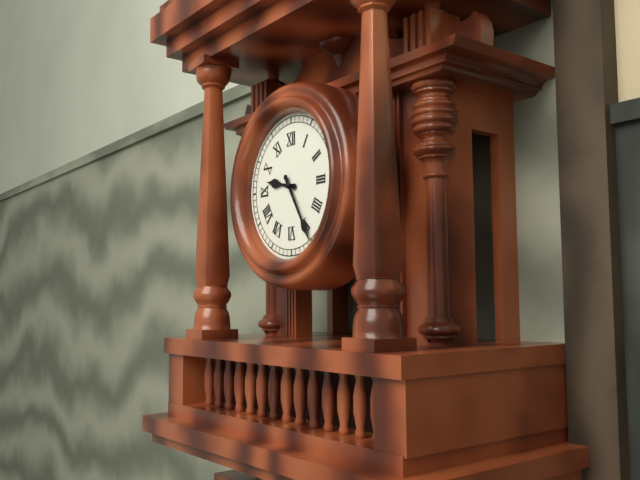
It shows {"hour": 9, "minute": 25}
